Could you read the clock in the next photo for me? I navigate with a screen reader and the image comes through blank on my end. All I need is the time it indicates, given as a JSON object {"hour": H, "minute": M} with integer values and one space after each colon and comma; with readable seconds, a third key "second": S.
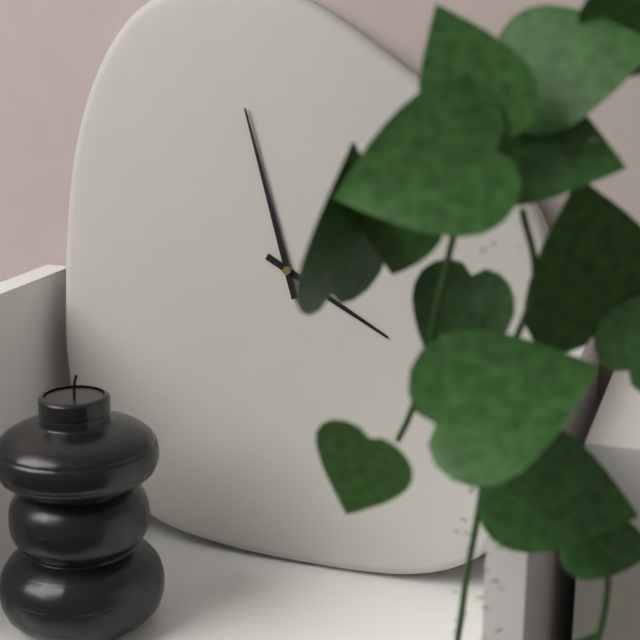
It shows {"hour": 3, "minute": 57}
